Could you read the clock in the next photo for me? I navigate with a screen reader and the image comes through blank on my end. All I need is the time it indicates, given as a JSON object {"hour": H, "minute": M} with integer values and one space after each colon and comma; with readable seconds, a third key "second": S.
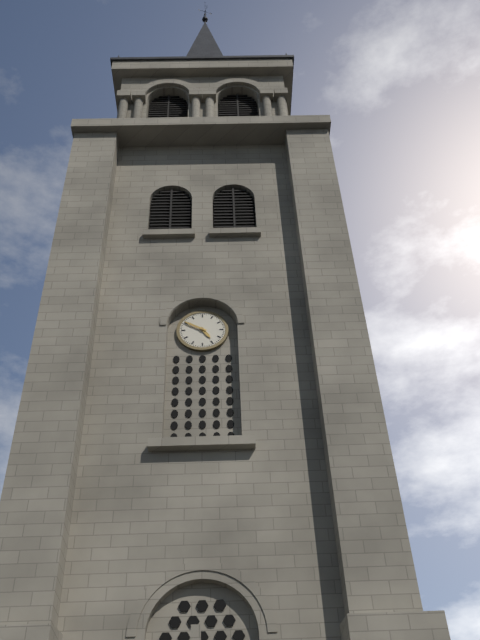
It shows {"hour": 4, "minute": 50}
